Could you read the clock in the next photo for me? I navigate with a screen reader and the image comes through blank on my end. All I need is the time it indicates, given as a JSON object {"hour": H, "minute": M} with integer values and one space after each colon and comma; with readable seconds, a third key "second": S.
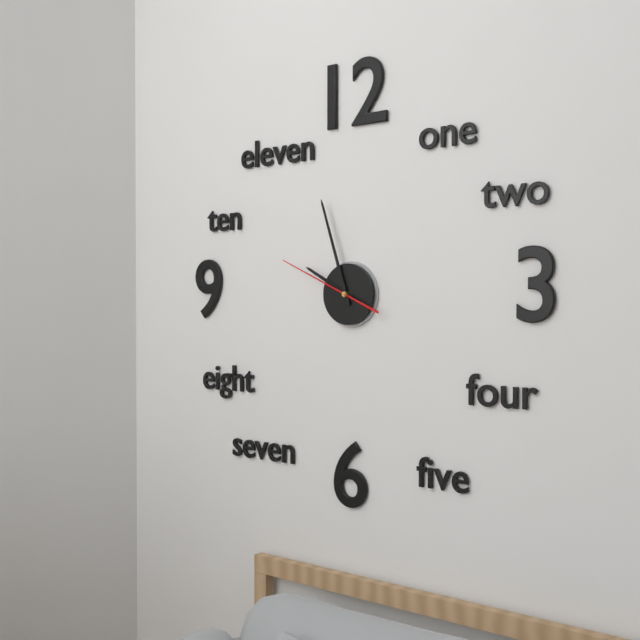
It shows {"hour": 9, "minute": 57, "second": 49}
